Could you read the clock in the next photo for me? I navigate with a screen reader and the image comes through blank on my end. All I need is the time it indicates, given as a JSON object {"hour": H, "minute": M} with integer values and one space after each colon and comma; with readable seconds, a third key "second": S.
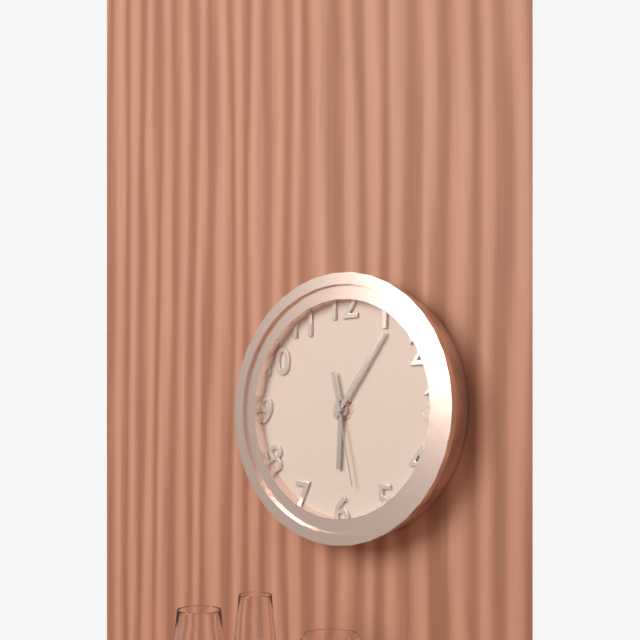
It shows {"hour": 6, "minute": 6, "second": 28}
